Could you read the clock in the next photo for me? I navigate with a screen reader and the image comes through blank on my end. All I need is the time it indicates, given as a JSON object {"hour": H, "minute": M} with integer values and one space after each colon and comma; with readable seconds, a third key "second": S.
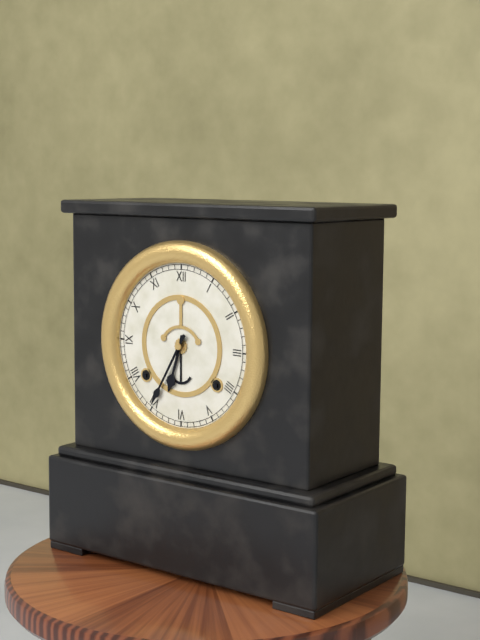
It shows {"hour": 6, "minute": 35}
